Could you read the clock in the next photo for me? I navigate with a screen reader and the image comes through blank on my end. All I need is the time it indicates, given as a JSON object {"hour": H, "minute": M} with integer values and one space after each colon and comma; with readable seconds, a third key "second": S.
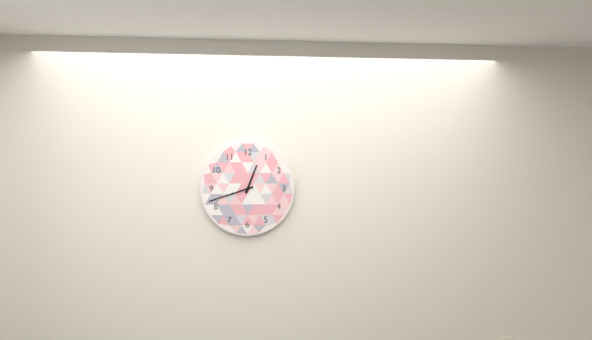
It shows {"hour": 12, "minute": 42}
